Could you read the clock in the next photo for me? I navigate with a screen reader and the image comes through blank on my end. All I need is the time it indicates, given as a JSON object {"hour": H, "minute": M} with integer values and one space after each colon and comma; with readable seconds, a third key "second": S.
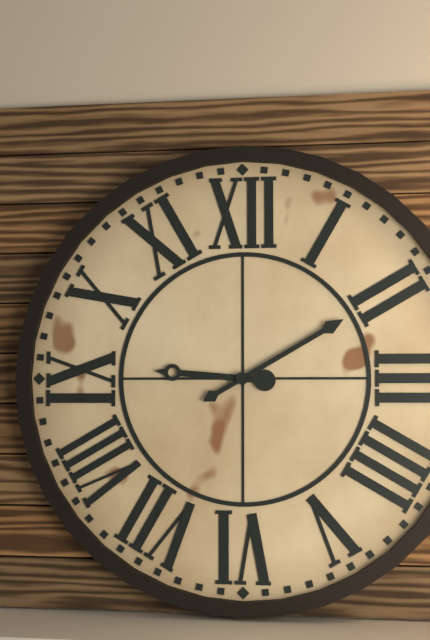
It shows {"hour": 9, "minute": 10}
